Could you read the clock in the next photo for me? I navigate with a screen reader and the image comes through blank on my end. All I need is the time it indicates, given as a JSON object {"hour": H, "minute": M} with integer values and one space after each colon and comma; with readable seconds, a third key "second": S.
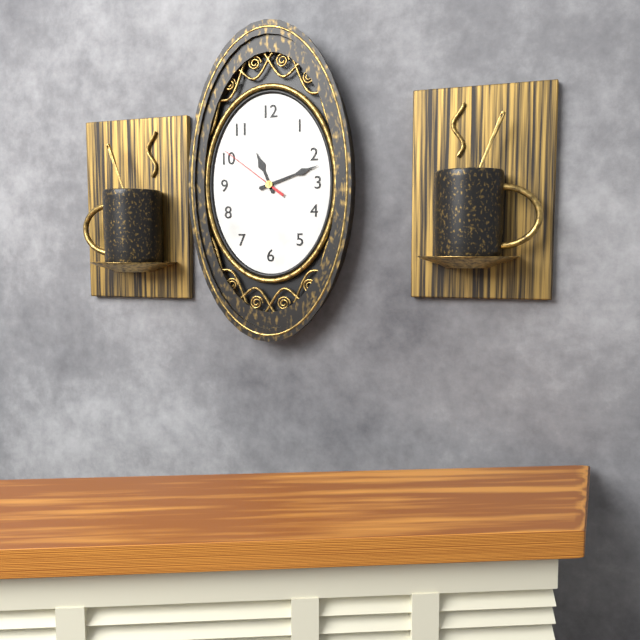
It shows {"hour": 11, "minute": 12, "second": 51}
